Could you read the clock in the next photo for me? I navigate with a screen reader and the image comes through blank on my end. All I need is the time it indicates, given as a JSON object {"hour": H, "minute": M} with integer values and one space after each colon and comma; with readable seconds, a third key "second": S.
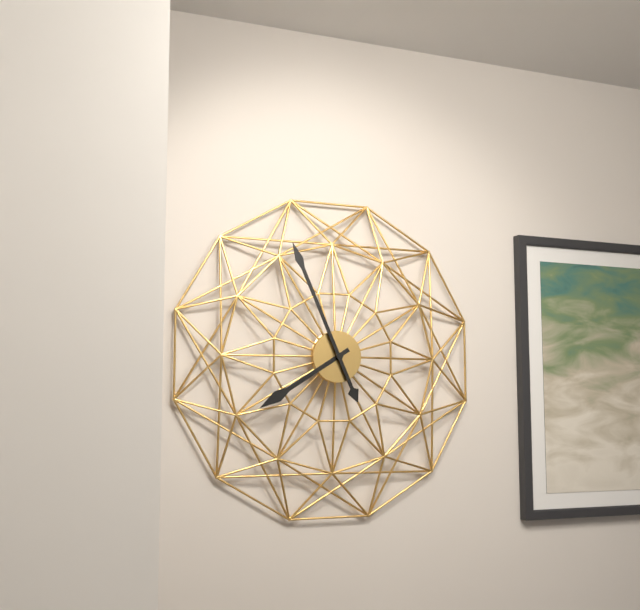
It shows {"hour": 7, "minute": 56}
